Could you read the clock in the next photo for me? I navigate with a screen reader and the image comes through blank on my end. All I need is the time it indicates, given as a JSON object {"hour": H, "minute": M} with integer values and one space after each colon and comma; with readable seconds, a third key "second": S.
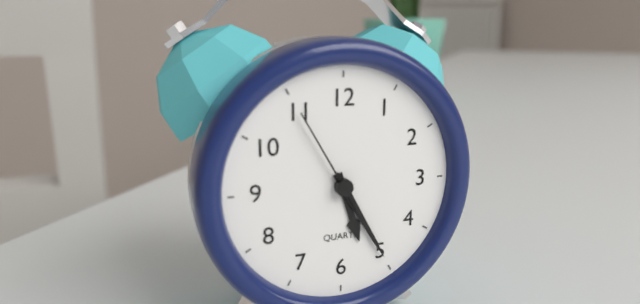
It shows {"hour": 5, "minute": 25, "second": 55}
